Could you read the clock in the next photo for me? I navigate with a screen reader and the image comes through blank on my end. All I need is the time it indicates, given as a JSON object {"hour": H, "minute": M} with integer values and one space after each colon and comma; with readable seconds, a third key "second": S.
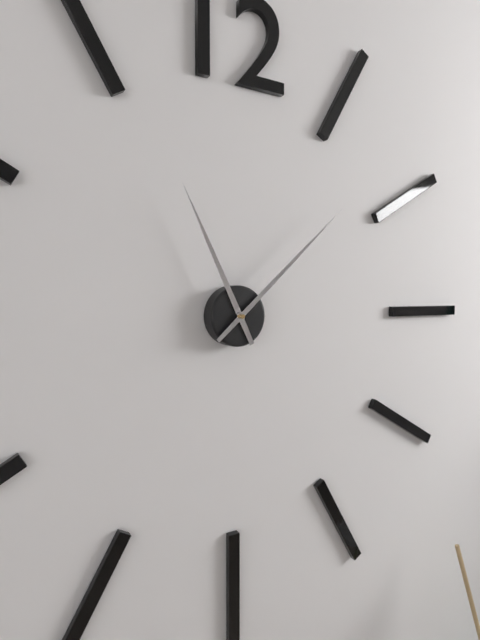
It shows {"hour": 11, "minute": 8}
